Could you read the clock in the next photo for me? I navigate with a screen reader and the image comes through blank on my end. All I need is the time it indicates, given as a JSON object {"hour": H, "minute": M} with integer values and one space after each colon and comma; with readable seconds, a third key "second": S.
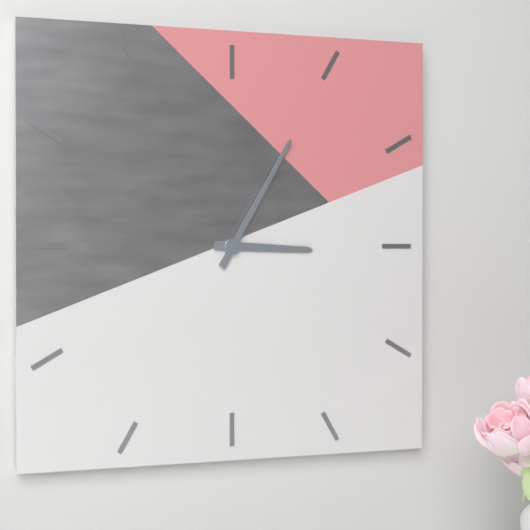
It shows {"hour": 3, "minute": 5}
